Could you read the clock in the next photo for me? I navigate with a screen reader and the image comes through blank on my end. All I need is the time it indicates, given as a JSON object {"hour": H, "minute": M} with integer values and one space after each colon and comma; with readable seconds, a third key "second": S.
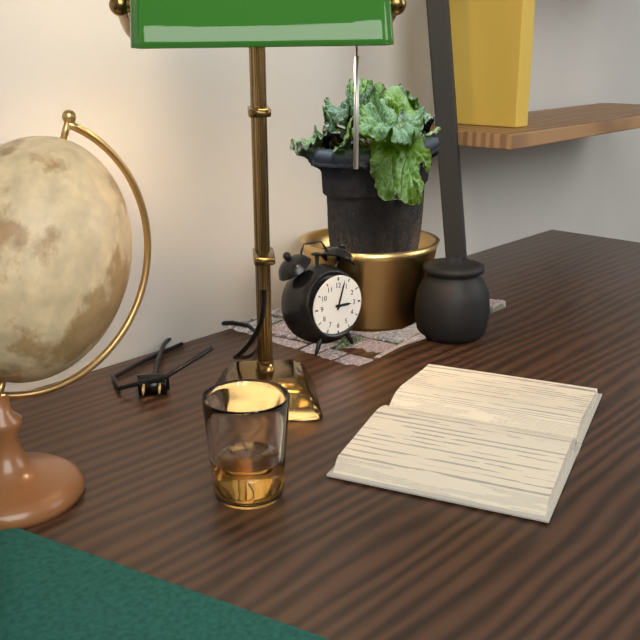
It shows {"hour": 3, "minute": 3}
